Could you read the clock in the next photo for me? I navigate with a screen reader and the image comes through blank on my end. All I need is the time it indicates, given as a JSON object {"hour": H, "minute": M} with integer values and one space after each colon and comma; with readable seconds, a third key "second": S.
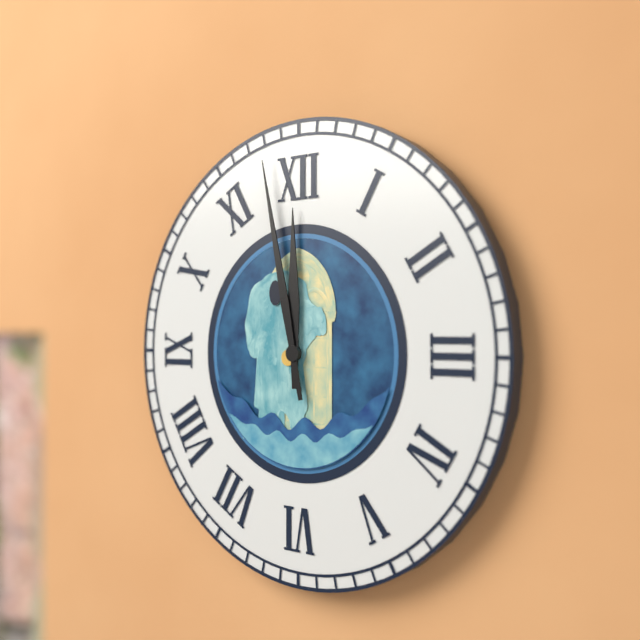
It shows {"hour": 11, "minute": 58}
